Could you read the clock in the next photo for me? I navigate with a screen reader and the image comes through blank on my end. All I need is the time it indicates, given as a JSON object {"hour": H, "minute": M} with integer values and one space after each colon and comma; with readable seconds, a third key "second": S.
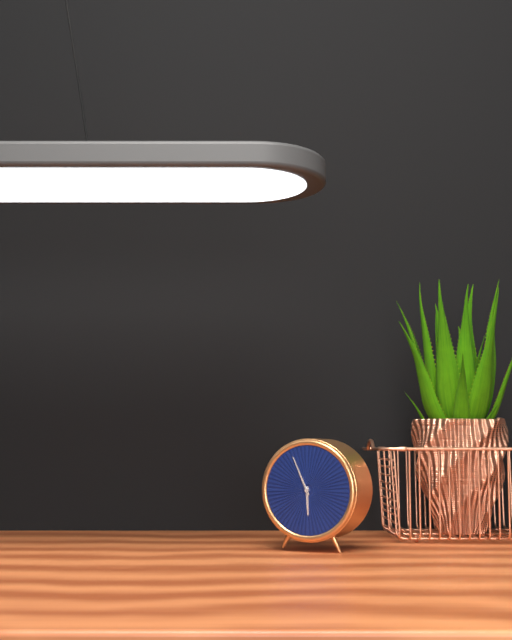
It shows {"hour": 5, "minute": 56}
